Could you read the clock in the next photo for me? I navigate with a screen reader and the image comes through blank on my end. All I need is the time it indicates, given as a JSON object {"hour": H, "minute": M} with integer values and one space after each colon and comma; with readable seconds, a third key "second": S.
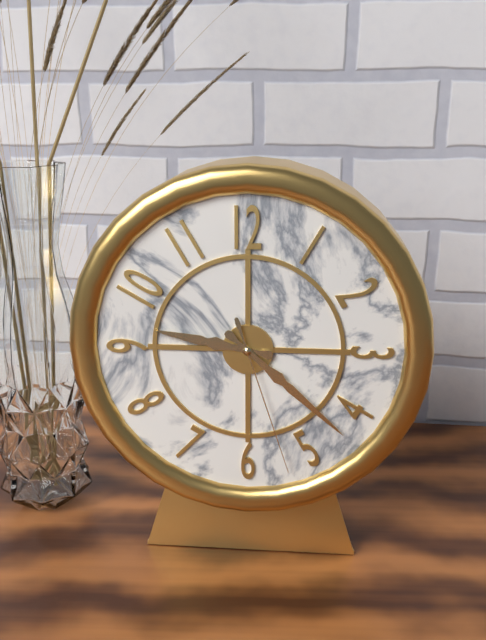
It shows {"hour": 9, "minute": 22, "second": 27}
